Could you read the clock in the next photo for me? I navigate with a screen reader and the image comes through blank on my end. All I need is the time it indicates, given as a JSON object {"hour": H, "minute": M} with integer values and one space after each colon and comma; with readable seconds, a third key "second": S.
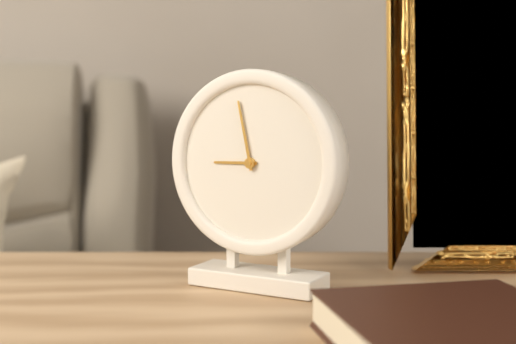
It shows {"hour": 8, "minute": 58}
